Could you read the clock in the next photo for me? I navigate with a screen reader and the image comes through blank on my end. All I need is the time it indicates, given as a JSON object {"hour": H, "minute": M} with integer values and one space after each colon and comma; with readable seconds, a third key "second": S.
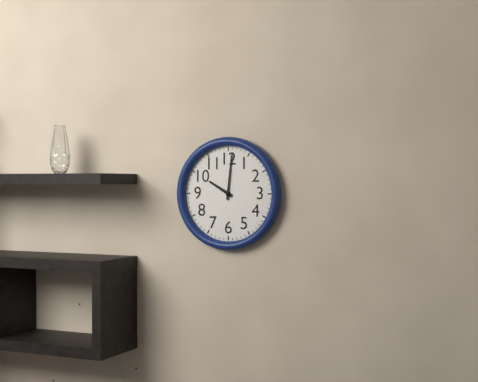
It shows {"hour": 10, "minute": 1}
